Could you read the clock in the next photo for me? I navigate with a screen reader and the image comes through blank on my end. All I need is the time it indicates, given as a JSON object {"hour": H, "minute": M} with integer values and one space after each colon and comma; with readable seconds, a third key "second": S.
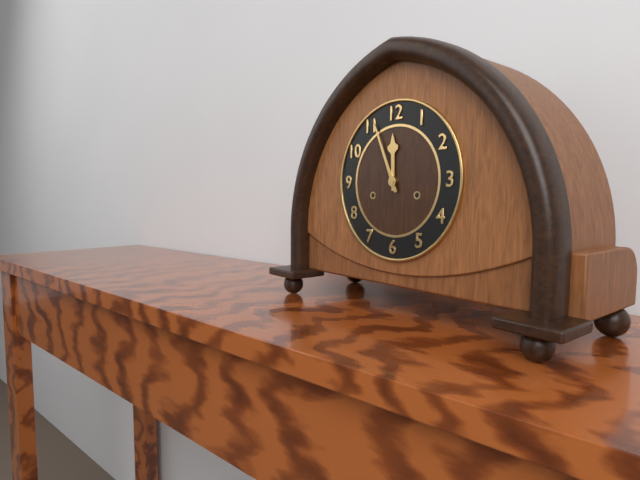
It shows {"hour": 11, "minute": 56}
